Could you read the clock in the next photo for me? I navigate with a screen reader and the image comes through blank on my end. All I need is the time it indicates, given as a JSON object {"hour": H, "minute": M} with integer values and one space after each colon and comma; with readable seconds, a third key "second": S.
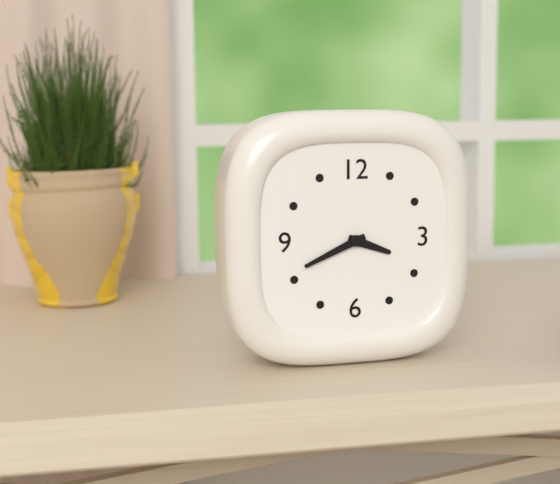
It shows {"hour": 3, "minute": 41}
